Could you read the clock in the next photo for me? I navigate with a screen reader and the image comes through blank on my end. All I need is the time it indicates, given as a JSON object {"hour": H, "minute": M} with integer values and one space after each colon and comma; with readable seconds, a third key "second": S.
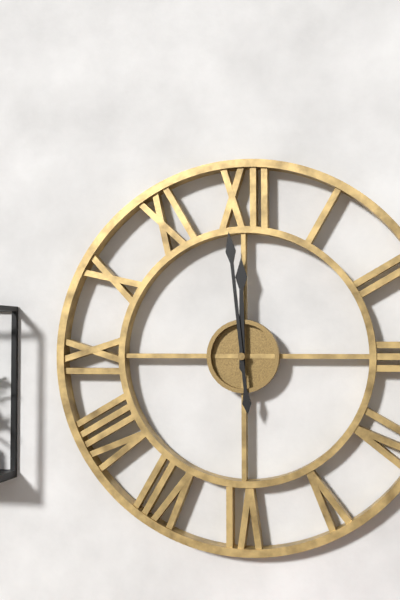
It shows {"hour": 11, "minute": 59}
